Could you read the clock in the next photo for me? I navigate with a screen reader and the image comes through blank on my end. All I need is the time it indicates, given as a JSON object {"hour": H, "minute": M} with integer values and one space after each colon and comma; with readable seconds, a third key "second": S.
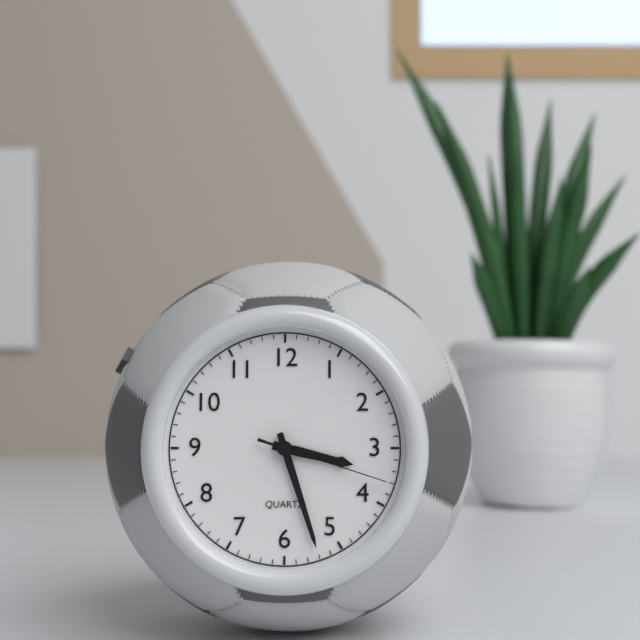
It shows {"hour": 3, "minute": 27, "second": 18}
